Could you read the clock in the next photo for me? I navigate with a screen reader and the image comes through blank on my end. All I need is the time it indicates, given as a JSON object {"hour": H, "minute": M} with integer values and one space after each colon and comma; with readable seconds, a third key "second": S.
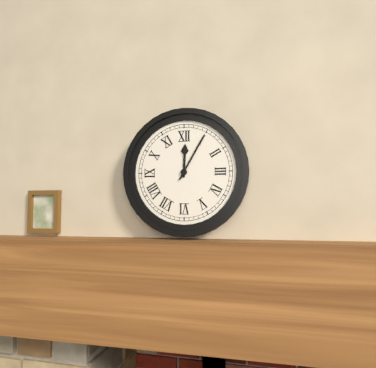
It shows {"hour": 12, "minute": 5}
